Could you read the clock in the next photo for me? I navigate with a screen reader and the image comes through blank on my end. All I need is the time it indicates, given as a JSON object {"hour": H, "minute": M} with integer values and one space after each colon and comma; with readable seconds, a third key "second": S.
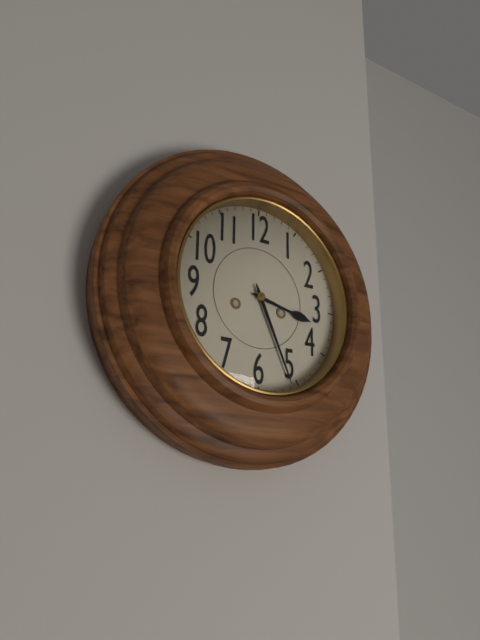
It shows {"hour": 3, "minute": 26}
